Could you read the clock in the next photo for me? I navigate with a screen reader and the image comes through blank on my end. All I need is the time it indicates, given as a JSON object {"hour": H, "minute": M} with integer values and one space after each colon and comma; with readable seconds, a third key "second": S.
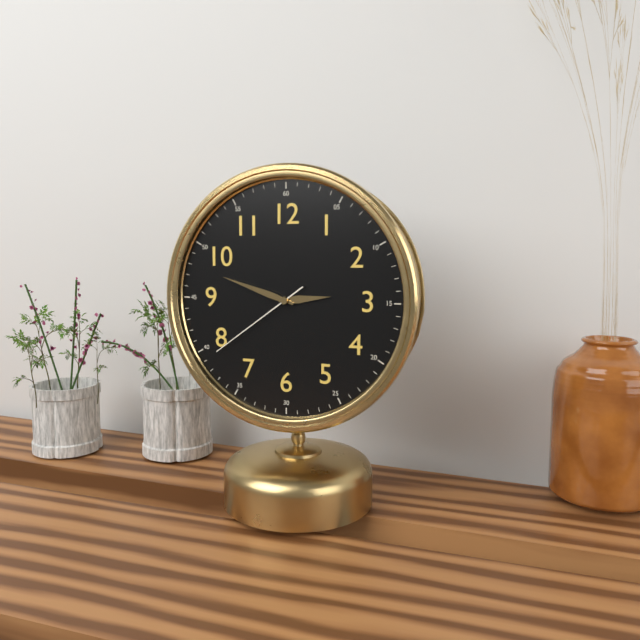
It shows {"hour": 2, "minute": 48, "second": 39}
